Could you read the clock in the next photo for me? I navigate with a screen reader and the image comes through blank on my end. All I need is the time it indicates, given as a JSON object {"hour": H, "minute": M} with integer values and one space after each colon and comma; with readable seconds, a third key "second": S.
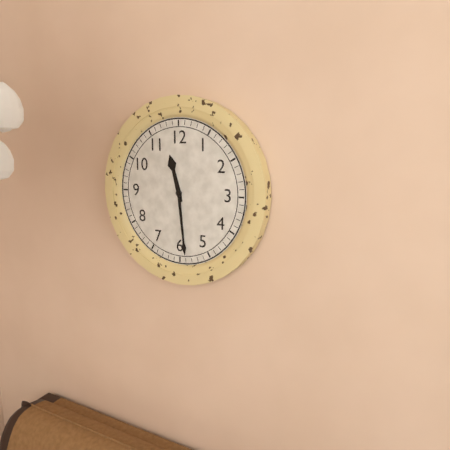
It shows {"hour": 11, "minute": 29}
